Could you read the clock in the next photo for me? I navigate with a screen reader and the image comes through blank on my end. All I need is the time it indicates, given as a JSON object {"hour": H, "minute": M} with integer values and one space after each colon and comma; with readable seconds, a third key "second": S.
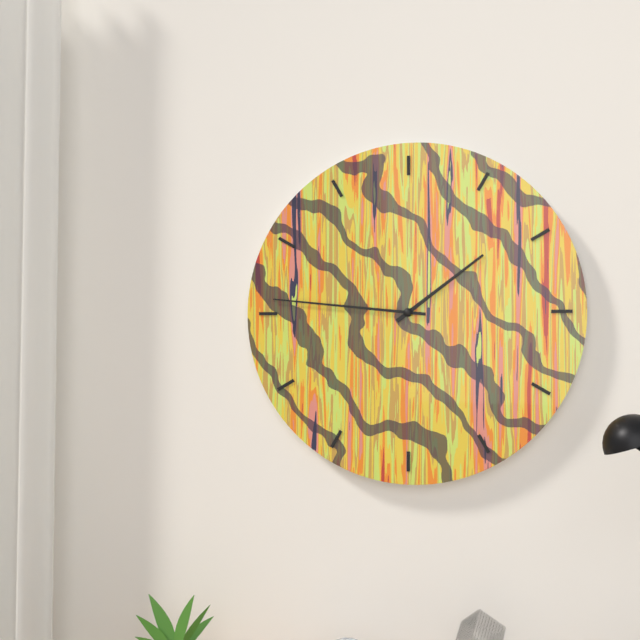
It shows {"hour": 1, "minute": 46}
